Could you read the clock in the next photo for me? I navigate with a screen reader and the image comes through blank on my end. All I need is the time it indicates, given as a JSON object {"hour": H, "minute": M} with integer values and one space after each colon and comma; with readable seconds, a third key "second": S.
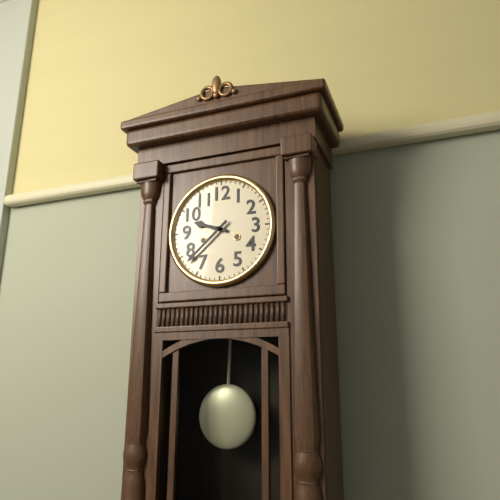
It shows {"hour": 9, "minute": 38}
